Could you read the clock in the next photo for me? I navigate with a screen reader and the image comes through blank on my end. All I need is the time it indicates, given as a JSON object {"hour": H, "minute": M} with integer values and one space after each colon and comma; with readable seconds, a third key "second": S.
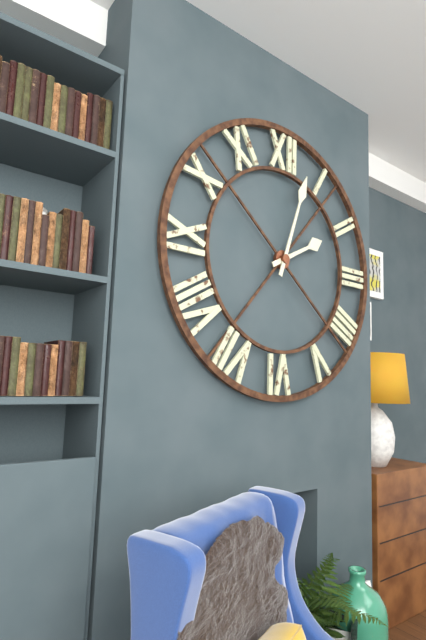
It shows {"hour": 2, "minute": 3}
